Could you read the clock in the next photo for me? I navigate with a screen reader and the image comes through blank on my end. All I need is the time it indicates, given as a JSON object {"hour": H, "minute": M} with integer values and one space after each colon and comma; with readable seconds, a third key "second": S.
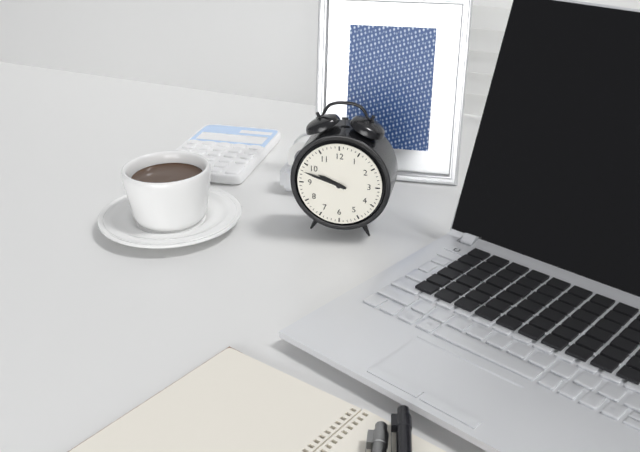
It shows {"hour": 9, "minute": 48}
